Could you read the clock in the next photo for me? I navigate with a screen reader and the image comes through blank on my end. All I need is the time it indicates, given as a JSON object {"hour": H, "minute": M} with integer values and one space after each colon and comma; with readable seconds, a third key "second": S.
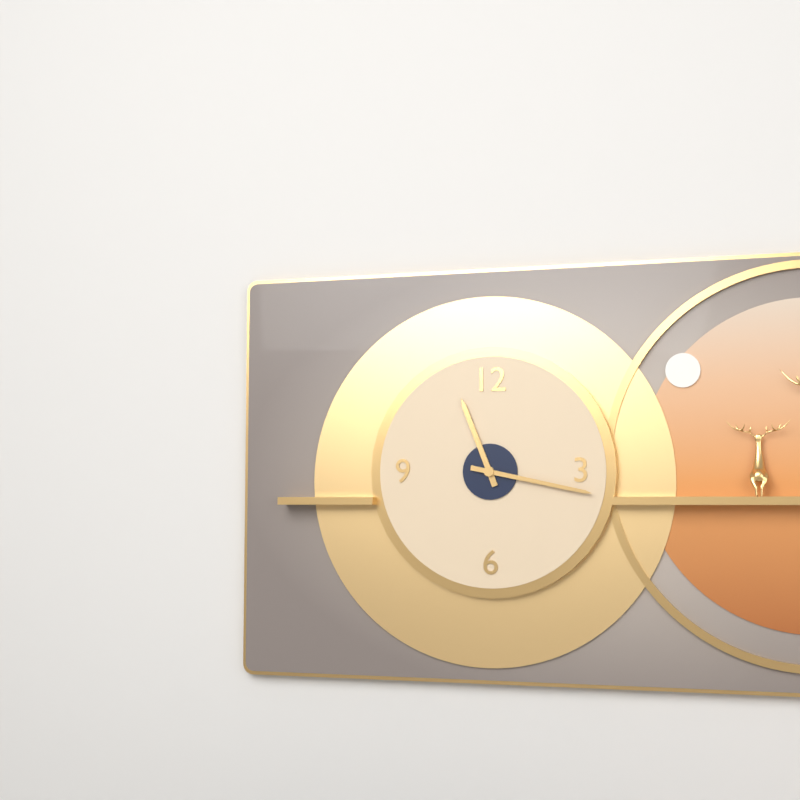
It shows {"hour": 11, "minute": 17}
